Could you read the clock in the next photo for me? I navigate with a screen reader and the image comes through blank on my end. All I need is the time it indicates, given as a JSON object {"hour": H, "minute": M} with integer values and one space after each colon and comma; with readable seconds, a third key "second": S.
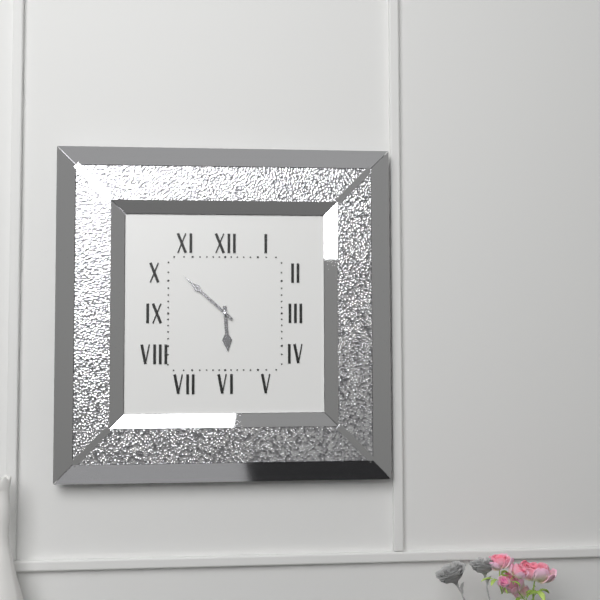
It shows {"hour": 5, "minute": 52}
